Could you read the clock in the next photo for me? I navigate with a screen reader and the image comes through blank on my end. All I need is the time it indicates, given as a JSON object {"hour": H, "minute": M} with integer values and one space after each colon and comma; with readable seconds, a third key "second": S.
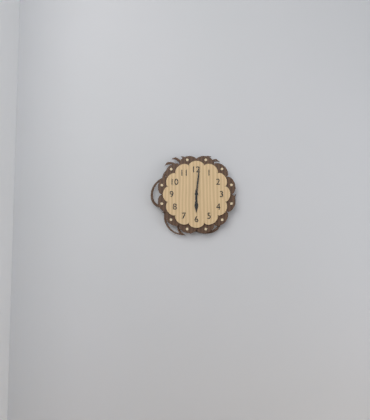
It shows {"hour": 6, "minute": 1}
